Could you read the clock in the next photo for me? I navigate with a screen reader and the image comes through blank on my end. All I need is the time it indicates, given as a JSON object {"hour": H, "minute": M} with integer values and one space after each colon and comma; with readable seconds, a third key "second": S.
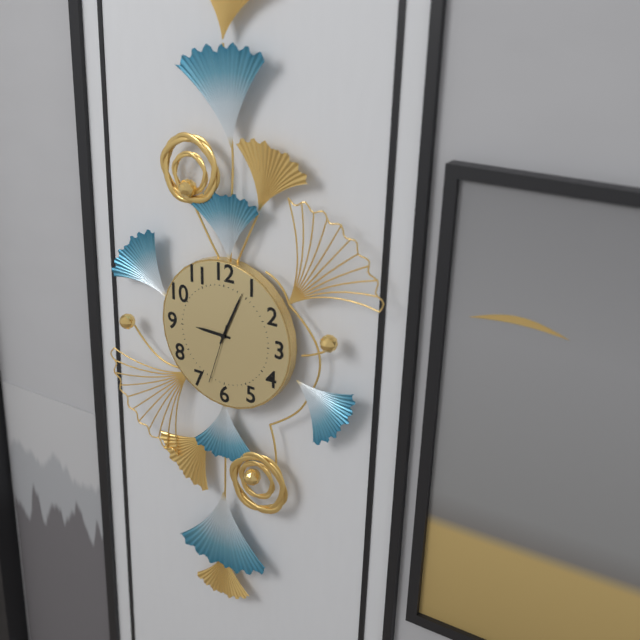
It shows {"hour": 9, "minute": 4, "second": 33}
